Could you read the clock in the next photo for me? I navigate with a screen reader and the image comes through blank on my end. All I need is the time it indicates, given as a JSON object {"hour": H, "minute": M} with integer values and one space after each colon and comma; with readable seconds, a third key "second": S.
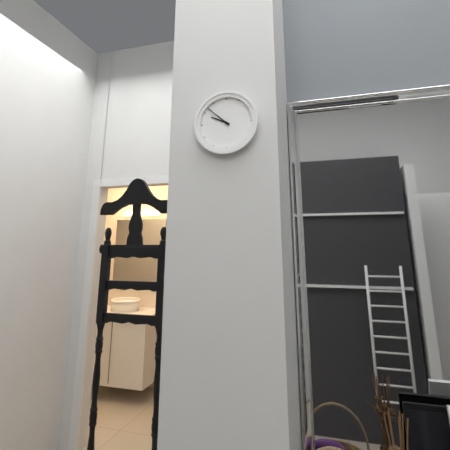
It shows {"hour": 9, "minute": 52}
